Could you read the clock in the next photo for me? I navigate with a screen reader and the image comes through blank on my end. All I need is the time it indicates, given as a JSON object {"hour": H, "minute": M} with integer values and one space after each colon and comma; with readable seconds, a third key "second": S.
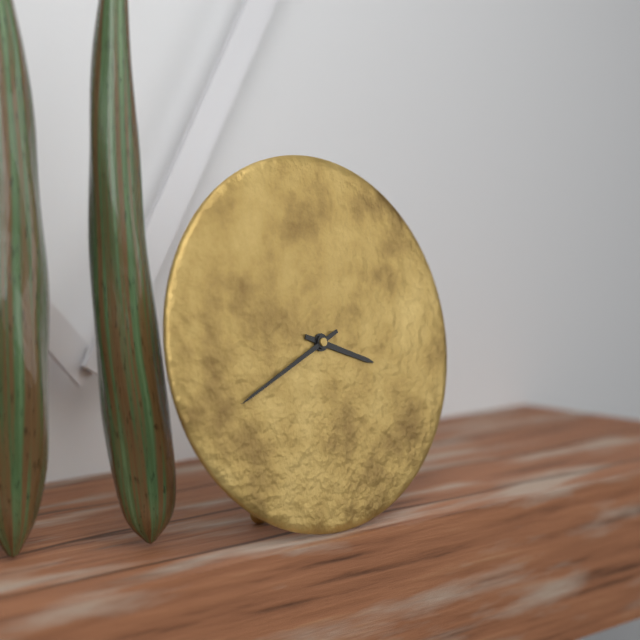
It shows {"hour": 3, "minute": 41}
